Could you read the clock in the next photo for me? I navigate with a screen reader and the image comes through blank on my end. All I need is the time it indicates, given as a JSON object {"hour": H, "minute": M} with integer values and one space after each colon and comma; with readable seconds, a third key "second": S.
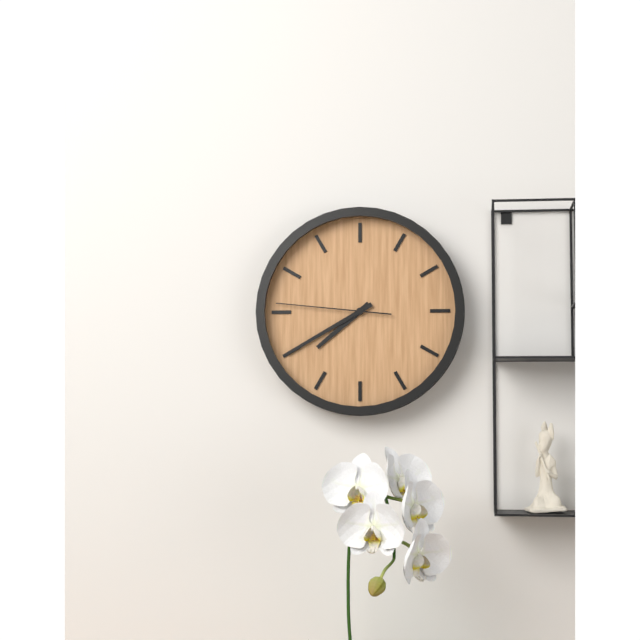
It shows {"hour": 7, "minute": 40, "second": 46}
